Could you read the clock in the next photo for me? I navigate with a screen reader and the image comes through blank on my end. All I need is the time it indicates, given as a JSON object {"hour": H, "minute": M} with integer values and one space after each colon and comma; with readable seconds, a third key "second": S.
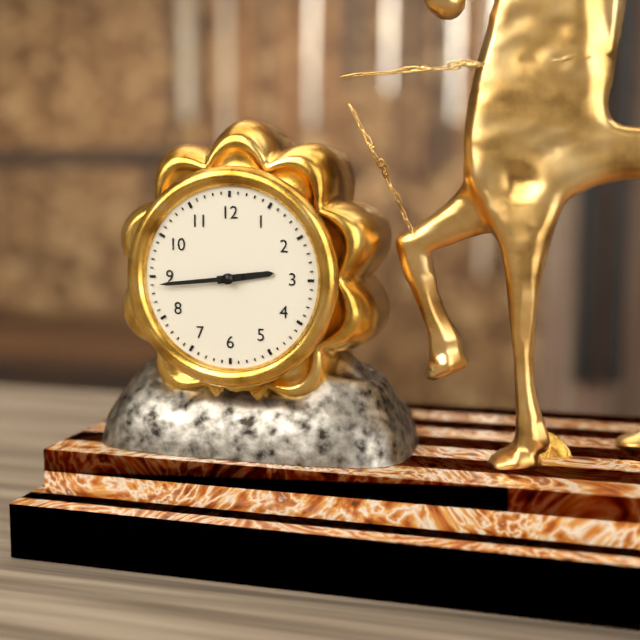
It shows {"hour": 2, "minute": 44}
